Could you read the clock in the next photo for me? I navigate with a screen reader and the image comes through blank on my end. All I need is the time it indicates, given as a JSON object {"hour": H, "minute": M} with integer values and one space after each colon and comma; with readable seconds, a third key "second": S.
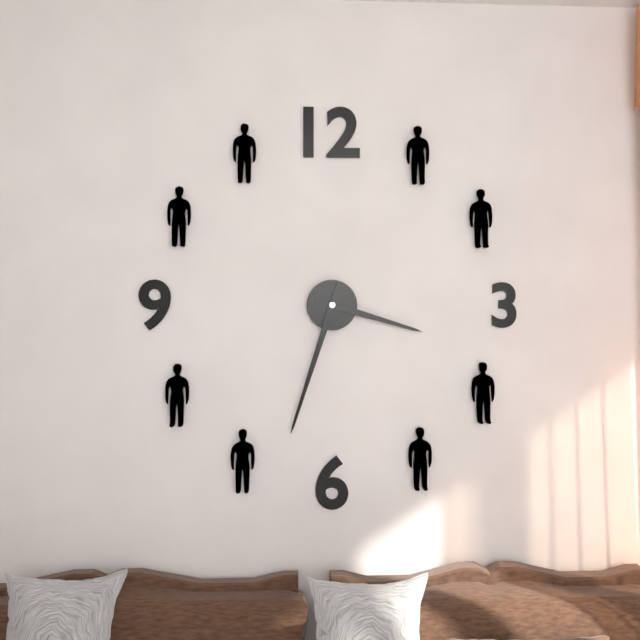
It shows {"hour": 3, "minute": 33}
